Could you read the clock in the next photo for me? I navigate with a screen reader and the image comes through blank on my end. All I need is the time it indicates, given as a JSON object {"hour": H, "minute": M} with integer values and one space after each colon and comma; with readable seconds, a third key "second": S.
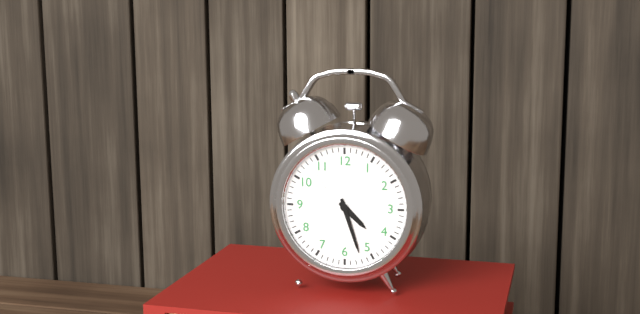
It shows {"hour": 4, "minute": 27}
